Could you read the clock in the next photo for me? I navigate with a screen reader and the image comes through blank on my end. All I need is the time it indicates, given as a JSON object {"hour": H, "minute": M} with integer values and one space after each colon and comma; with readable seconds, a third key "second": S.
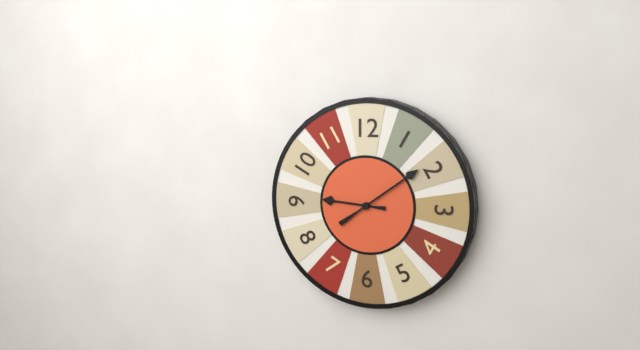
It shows {"hour": 9, "minute": 9}
